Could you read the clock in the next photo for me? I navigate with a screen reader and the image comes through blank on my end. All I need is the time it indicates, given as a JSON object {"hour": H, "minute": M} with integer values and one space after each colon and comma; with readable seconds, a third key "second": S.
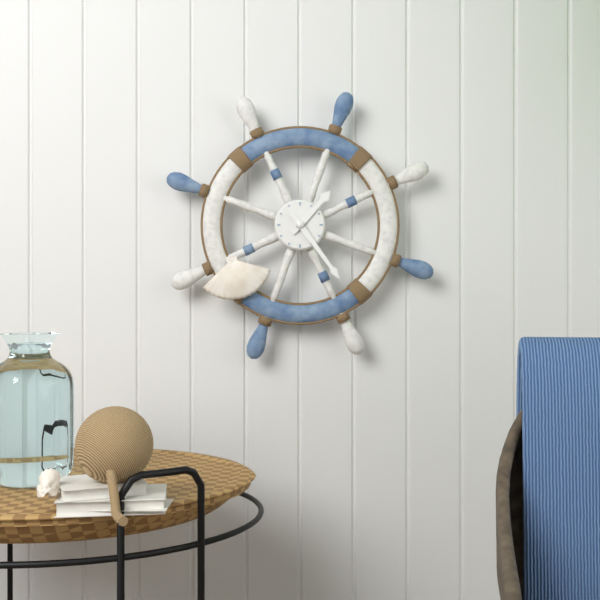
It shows {"hour": 1, "minute": 24}
